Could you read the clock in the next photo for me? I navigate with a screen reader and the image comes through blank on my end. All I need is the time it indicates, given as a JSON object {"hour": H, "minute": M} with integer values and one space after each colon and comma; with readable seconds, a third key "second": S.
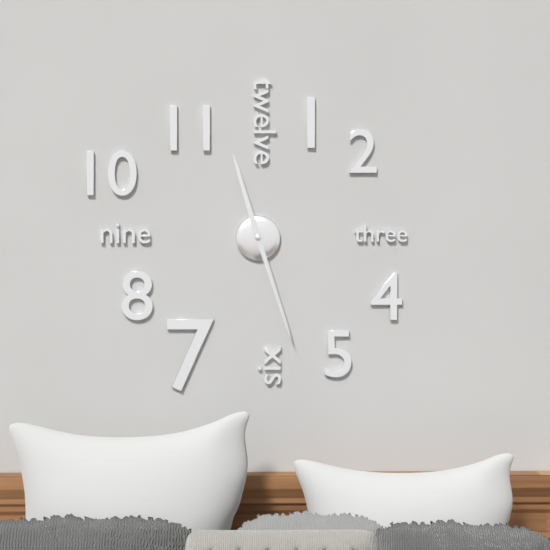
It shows {"hour": 11, "minute": 27}
